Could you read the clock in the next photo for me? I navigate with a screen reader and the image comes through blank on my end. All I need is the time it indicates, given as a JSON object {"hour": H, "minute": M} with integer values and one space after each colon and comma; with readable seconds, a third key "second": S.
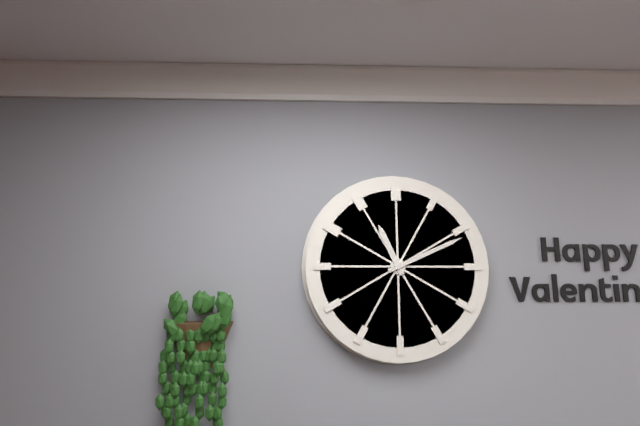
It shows {"hour": 11, "minute": 11}
